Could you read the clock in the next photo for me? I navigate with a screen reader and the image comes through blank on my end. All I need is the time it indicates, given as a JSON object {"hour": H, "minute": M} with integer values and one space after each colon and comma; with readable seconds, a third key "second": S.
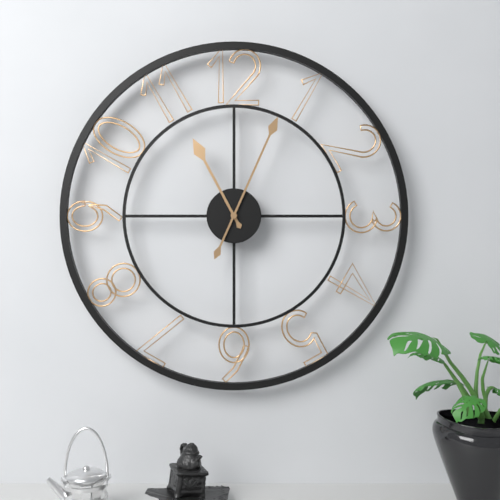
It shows {"hour": 11, "minute": 4}
